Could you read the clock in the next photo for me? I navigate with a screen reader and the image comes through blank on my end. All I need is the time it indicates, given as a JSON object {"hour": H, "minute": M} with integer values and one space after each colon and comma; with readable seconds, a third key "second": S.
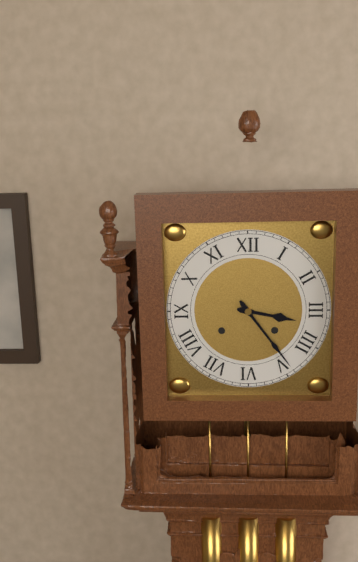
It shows {"hour": 3, "minute": 24}
